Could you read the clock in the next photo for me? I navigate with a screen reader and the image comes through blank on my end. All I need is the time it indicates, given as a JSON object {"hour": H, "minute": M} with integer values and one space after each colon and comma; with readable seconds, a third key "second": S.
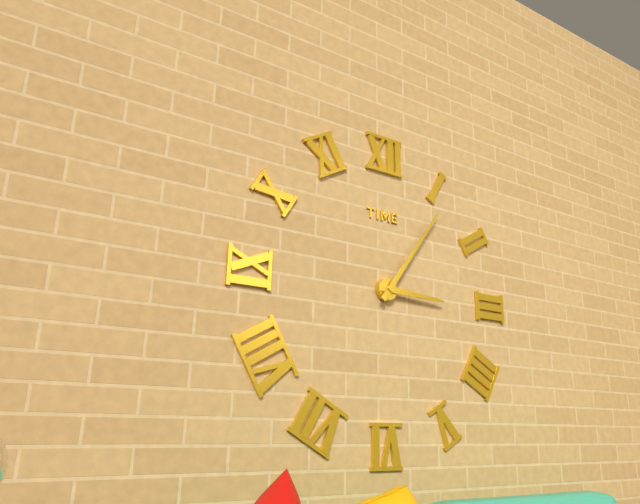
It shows {"hour": 3, "minute": 6}
